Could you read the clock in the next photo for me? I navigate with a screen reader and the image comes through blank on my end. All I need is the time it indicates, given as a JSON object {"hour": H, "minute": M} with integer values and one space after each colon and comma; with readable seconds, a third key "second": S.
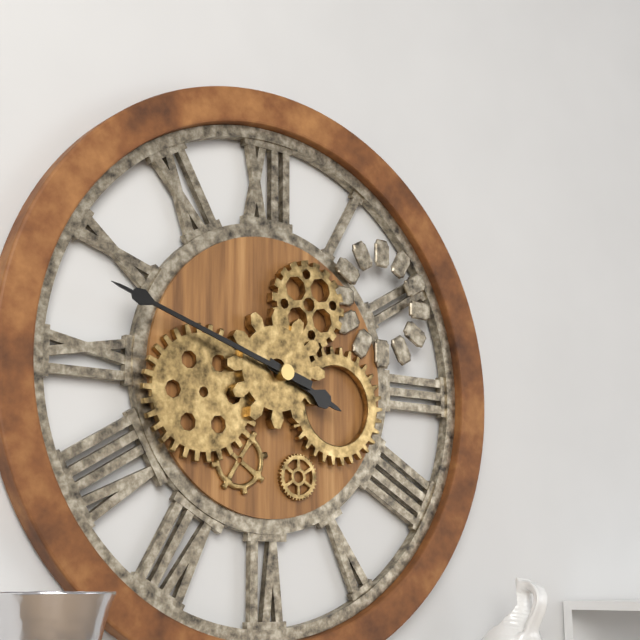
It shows {"hour": 3, "minute": 48}
